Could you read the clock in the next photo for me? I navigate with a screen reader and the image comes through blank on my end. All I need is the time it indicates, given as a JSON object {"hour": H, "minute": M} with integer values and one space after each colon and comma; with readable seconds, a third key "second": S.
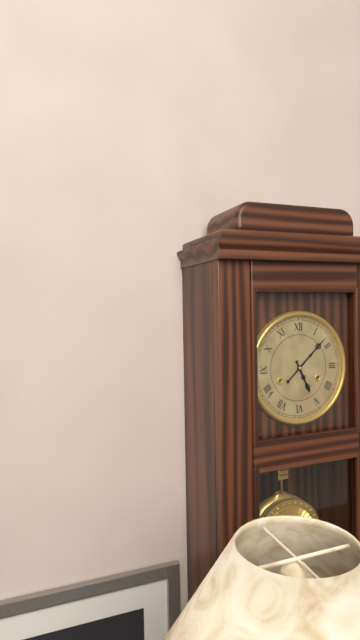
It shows {"hour": 5, "minute": 8}
